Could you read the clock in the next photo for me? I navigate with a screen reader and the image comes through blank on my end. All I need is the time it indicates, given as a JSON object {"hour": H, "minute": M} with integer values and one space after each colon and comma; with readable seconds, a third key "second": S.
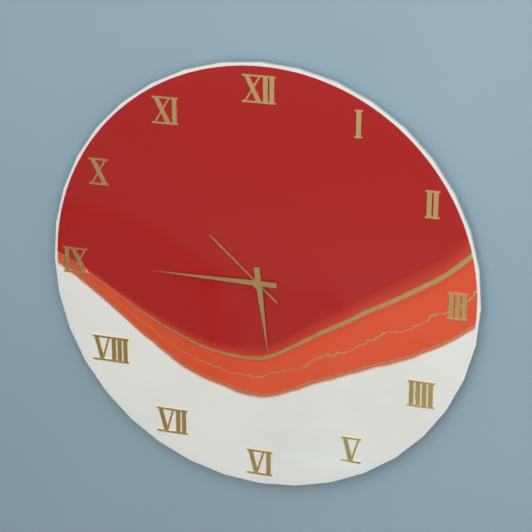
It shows {"hour": 5, "minute": 45, "second": 52}
